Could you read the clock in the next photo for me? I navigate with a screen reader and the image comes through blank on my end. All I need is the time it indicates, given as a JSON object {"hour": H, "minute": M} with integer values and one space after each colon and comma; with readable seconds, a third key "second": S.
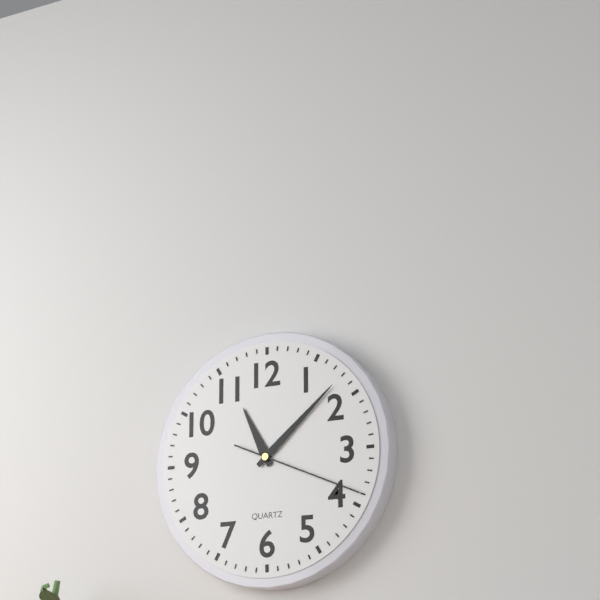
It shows {"hour": 11, "minute": 8, "second": 19}
